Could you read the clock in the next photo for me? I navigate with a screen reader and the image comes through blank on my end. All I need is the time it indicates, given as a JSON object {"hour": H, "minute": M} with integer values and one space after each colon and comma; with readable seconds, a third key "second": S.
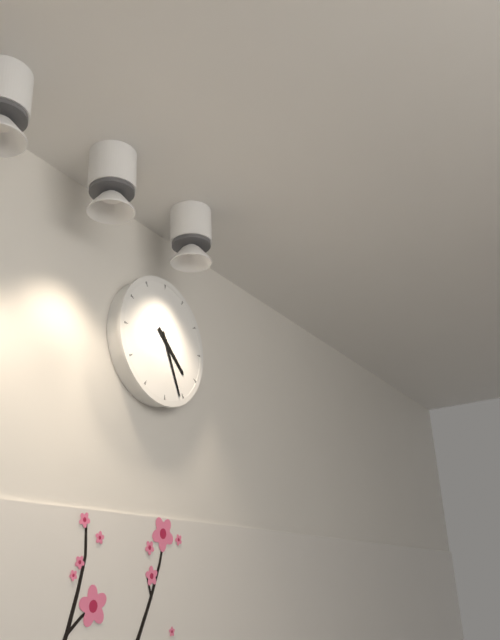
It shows {"hour": 4, "minute": 26}
